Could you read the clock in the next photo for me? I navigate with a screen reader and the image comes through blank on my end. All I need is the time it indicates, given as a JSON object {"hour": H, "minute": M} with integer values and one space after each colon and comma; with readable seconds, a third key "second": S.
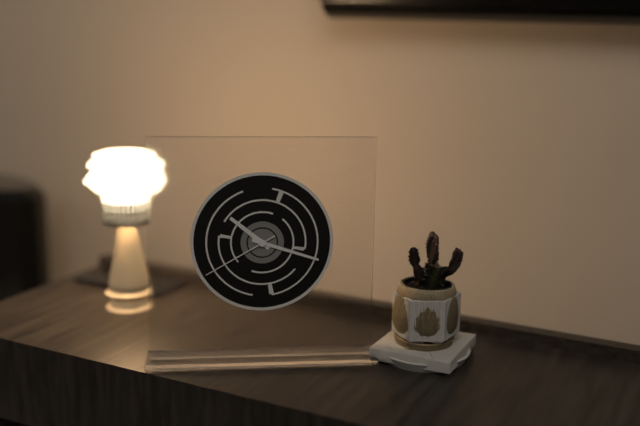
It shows {"hour": 10, "minute": 18, "second": 40}
